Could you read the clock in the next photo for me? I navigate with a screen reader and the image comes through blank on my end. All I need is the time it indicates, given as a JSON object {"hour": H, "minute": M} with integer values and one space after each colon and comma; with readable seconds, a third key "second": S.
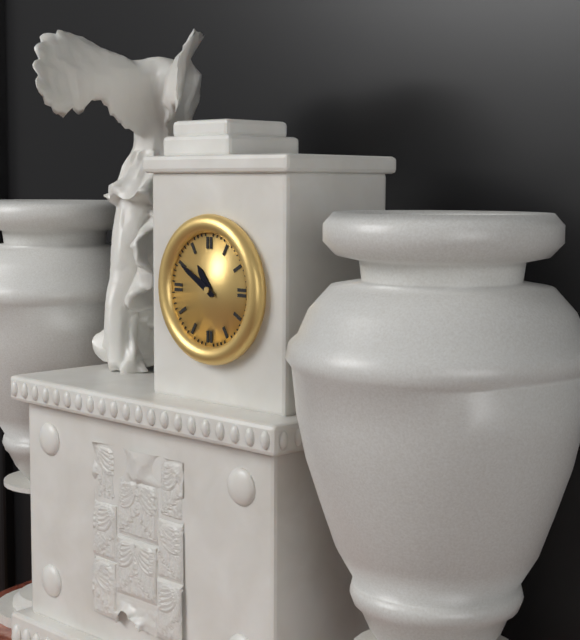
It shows {"hour": 10, "minute": 50}
